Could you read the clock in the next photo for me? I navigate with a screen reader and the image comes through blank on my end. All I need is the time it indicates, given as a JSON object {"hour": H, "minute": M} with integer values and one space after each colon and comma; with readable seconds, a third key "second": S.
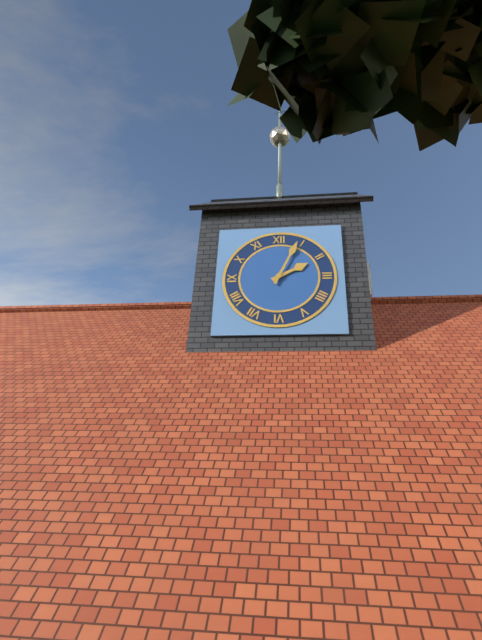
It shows {"hour": 2, "minute": 4}
